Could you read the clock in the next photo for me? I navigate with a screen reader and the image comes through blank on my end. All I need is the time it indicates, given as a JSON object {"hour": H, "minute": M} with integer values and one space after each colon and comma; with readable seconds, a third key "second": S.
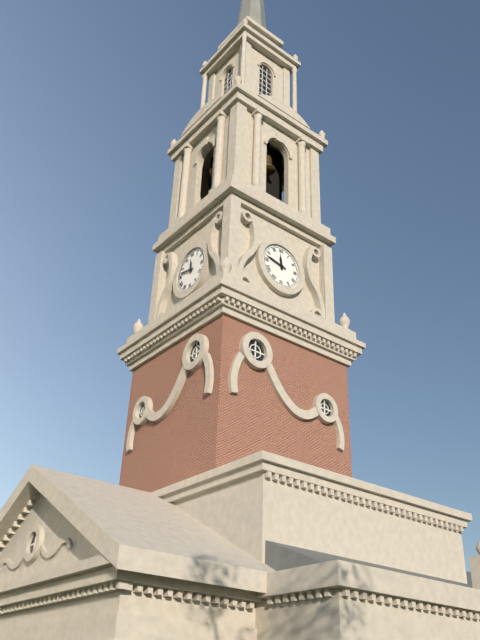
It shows {"hour": 11, "minute": 47}
